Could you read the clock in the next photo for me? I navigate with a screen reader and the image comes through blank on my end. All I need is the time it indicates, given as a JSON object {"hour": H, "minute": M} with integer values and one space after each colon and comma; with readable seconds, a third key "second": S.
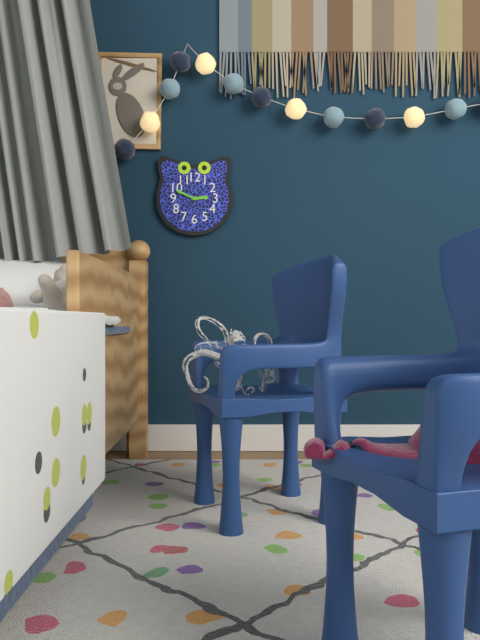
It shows {"hour": 2, "minute": 49}
